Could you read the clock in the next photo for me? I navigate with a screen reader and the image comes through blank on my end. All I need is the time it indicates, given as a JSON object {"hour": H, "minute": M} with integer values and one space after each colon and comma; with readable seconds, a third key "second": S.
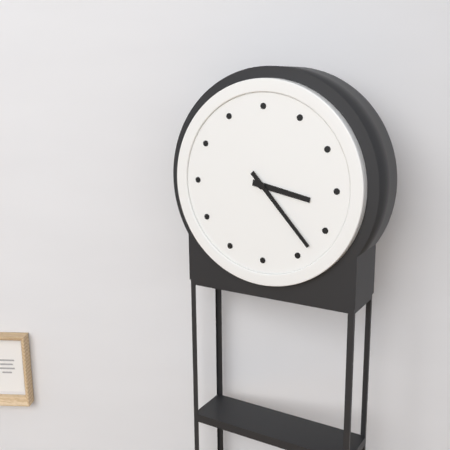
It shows {"hour": 3, "minute": 23}
